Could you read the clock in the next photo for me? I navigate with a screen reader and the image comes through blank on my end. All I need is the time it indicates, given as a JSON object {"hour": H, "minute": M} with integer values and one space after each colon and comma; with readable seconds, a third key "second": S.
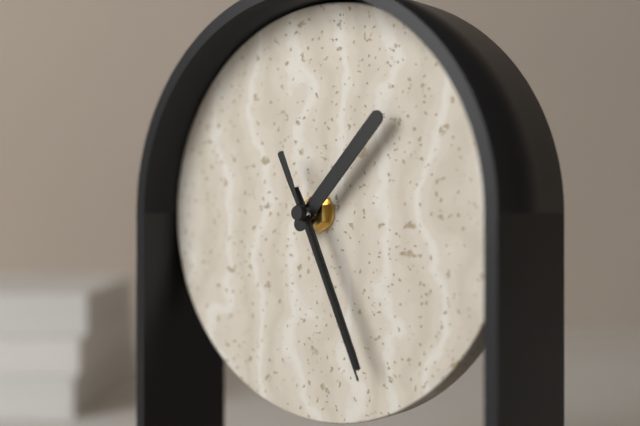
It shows {"hour": 1, "minute": 26, "second": 26}
